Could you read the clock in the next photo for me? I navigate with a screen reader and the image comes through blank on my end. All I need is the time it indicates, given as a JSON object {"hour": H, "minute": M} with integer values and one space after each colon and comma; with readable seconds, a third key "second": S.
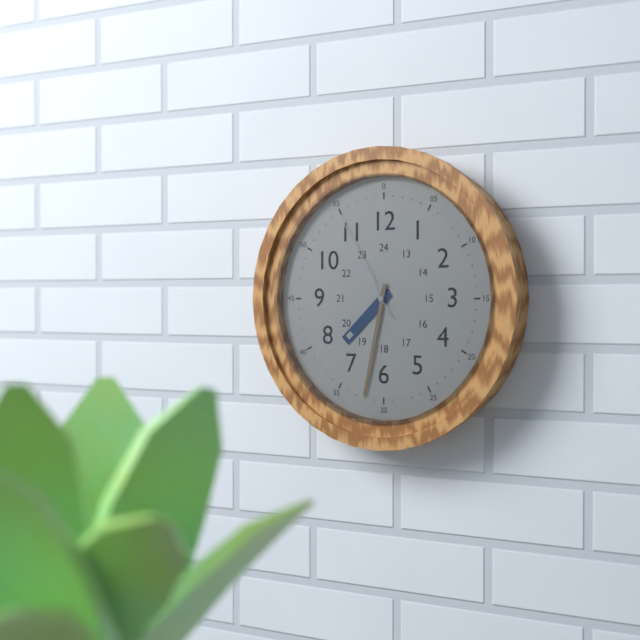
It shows {"hour": 7, "minute": 32, "second": 55}
